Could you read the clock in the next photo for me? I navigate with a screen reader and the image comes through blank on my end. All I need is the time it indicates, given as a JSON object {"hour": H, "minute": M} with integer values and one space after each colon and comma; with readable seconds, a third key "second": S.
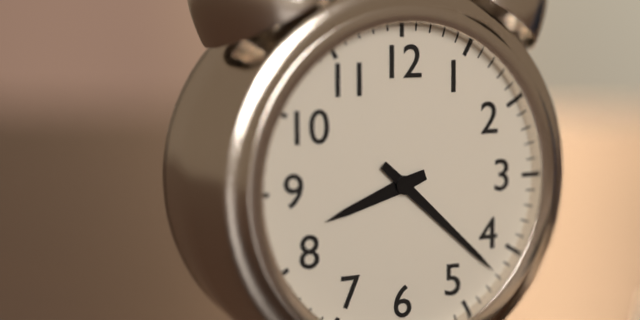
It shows {"hour": 8, "minute": 22}
